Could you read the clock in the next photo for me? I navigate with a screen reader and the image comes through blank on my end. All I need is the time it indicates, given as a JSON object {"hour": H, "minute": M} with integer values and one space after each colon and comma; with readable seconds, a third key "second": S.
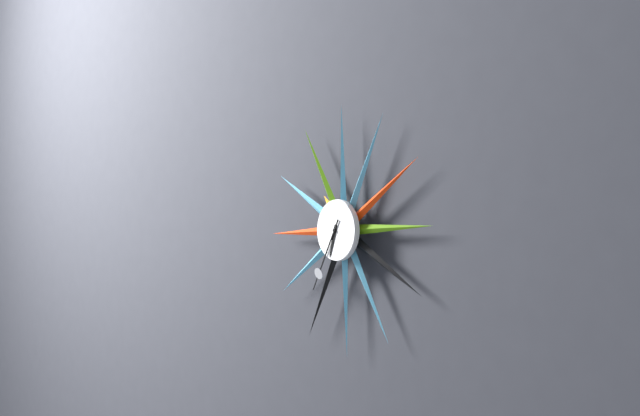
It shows {"hour": 6, "minute": 35}
